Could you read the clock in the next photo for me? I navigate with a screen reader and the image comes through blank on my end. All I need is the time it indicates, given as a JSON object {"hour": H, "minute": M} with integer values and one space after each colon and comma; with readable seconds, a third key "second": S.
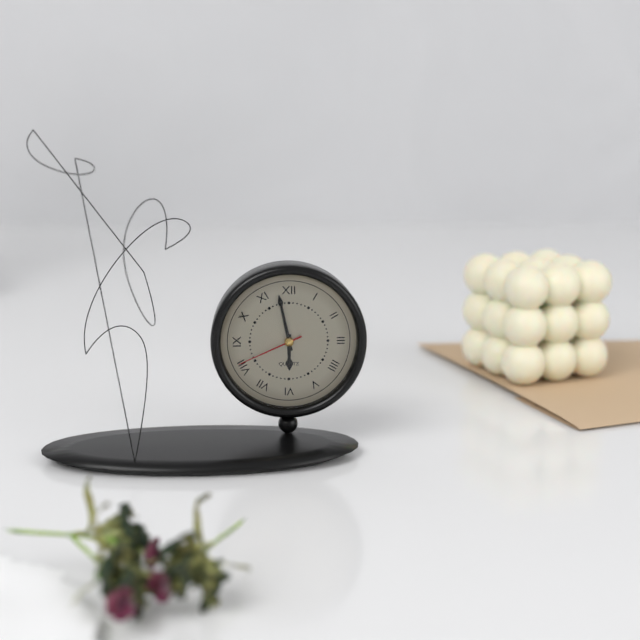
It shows {"hour": 5, "minute": 58, "second": 41}
